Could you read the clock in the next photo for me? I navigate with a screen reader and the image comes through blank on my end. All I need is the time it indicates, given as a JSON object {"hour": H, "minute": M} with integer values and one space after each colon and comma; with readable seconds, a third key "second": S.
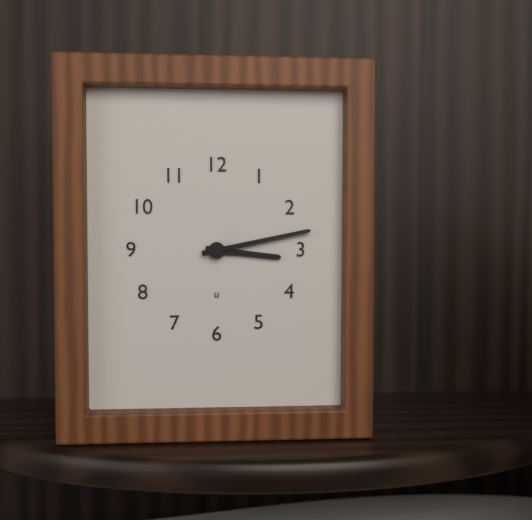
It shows {"hour": 3, "minute": 13}
